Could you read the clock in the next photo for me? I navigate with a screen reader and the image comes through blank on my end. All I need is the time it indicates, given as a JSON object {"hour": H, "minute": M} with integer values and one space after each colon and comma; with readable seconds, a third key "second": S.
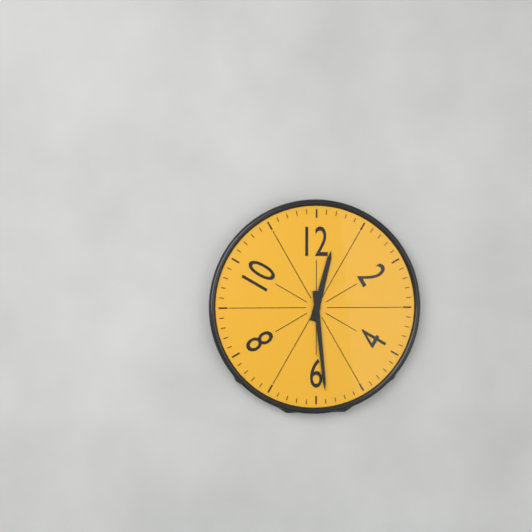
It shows {"hour": 12, "minute": 29}
